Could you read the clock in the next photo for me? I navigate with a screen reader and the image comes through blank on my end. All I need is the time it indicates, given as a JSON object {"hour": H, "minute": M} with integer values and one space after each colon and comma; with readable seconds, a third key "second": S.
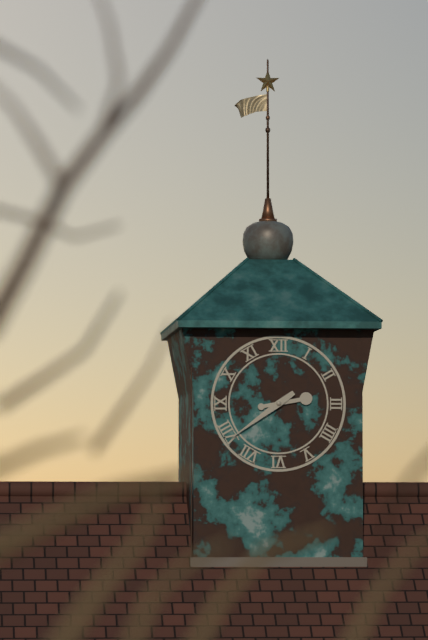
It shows {"hour": 2, "minute": 39}
